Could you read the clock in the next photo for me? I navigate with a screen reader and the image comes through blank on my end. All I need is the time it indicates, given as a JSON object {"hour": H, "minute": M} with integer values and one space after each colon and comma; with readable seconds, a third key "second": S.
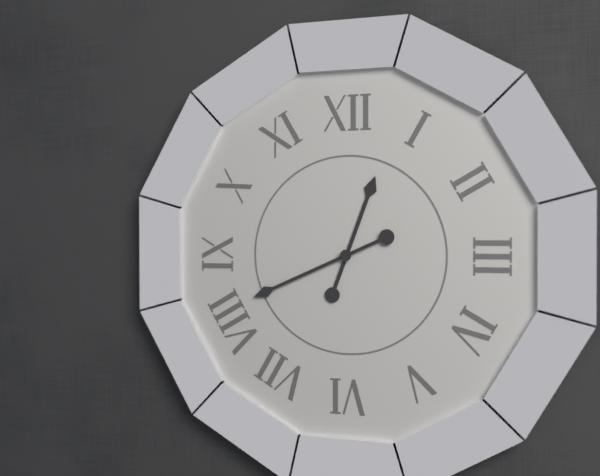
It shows {"hour": 12, "minute": 41}
